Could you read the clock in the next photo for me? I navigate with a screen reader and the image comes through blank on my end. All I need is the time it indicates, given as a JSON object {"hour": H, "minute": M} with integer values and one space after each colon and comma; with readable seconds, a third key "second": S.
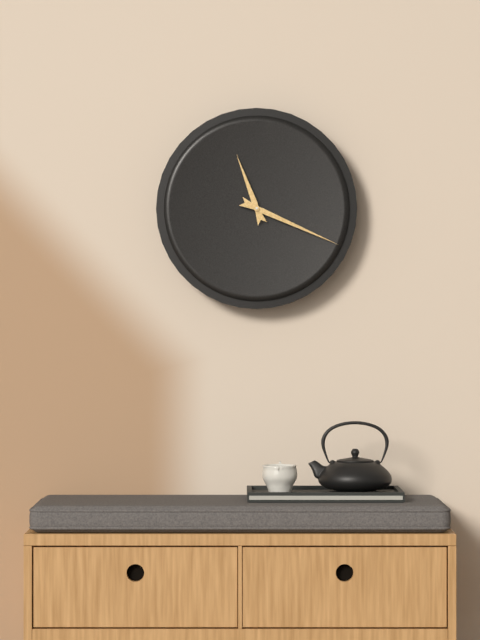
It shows {"hour": 11, "minute": 19}
